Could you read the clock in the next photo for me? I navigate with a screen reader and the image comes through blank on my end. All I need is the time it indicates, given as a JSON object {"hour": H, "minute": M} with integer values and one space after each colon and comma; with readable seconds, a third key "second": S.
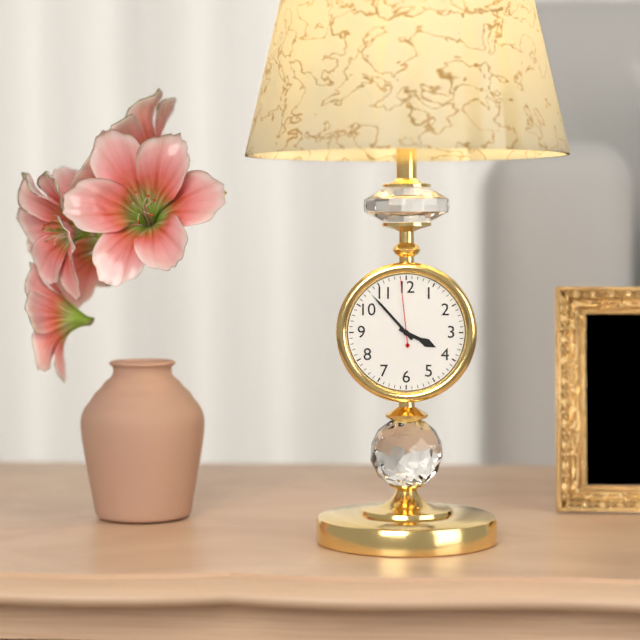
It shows {"hour": 3, "minute": 53, "second": 59}
